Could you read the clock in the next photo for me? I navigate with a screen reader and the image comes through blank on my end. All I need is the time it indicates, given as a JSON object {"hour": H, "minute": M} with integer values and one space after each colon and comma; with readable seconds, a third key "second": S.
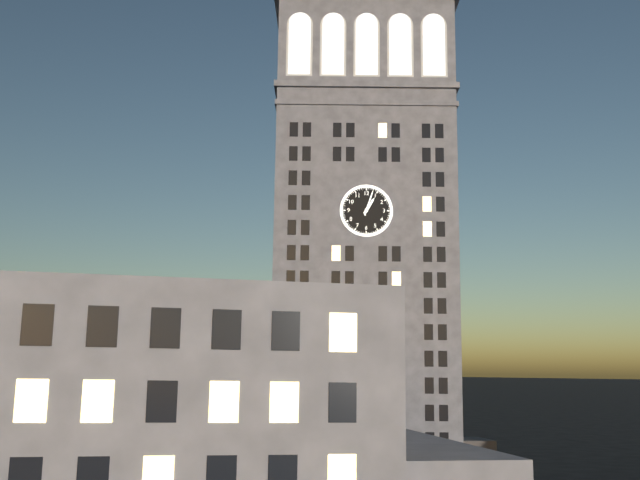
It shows {"hour": 1, "minute": 3}
